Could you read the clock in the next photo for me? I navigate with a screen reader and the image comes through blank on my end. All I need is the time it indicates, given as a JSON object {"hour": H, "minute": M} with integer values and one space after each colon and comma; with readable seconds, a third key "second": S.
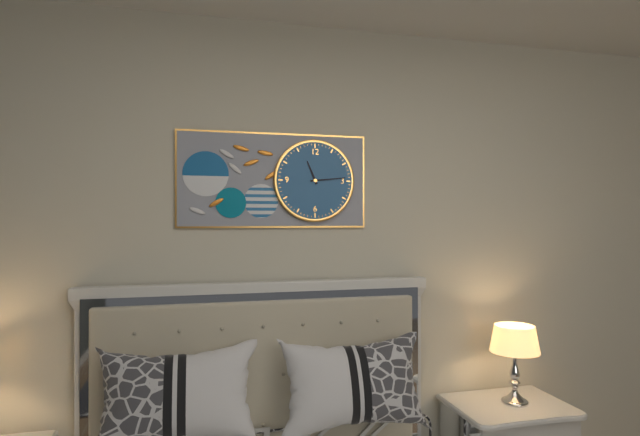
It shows {"hour": 11, "minute": 14}
